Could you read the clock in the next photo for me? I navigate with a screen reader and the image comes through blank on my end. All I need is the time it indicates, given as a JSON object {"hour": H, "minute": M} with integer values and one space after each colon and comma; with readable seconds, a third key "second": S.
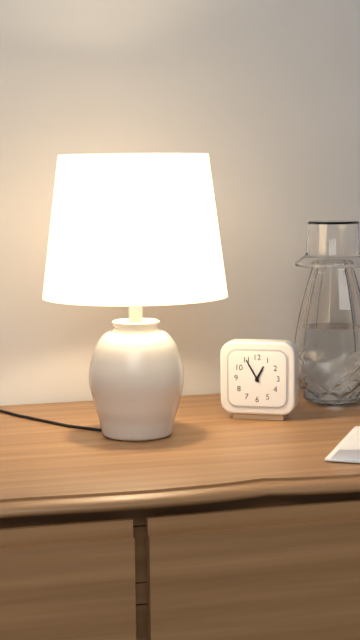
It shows {"hour": 12, "minute": 55}
